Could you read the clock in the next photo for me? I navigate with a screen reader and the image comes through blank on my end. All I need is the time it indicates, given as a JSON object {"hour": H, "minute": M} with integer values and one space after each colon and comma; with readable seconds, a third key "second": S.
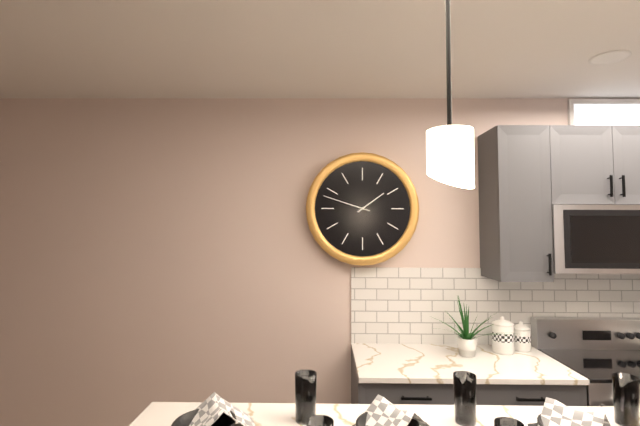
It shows {"hour": 1, "minute": 48}
